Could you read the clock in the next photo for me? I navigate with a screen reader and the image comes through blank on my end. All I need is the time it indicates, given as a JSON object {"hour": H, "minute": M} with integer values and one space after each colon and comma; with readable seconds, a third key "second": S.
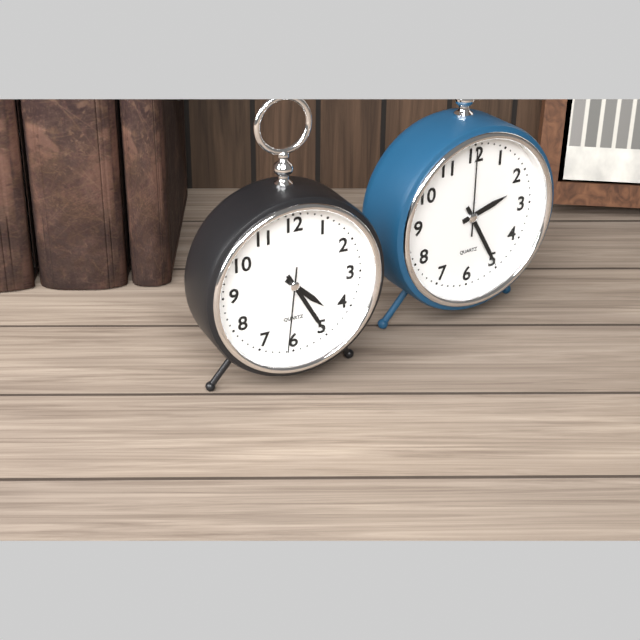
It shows {"hour": 4, "minute": 25, "second": 31}
